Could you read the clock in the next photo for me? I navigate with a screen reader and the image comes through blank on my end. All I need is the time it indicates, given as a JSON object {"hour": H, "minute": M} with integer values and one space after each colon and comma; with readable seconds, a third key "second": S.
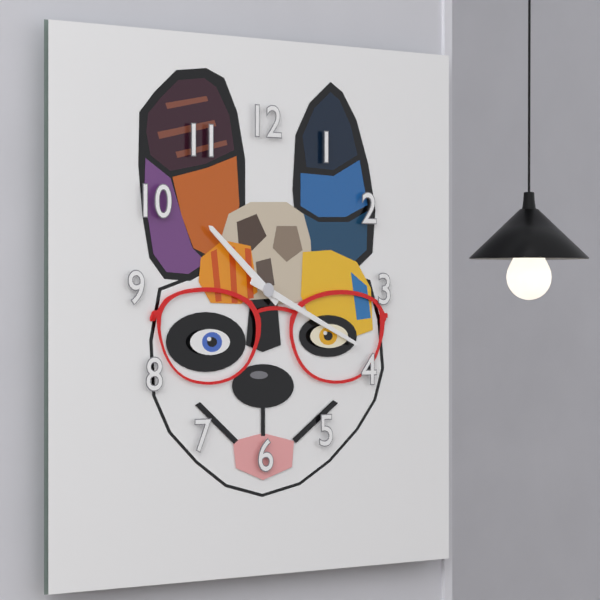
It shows {"hour": 10, "minute": 19}
